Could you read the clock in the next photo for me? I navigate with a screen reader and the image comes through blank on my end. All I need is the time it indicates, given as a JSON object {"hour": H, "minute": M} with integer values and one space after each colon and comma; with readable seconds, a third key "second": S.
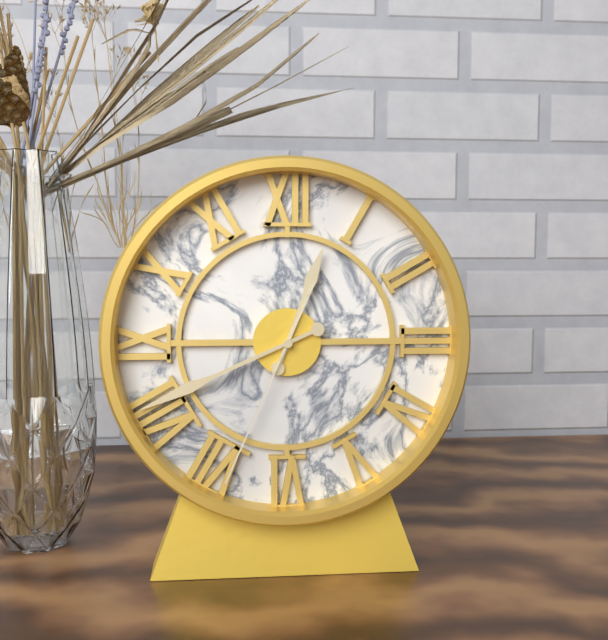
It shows {"hour": 12, "minute": 41, "second": 34}
